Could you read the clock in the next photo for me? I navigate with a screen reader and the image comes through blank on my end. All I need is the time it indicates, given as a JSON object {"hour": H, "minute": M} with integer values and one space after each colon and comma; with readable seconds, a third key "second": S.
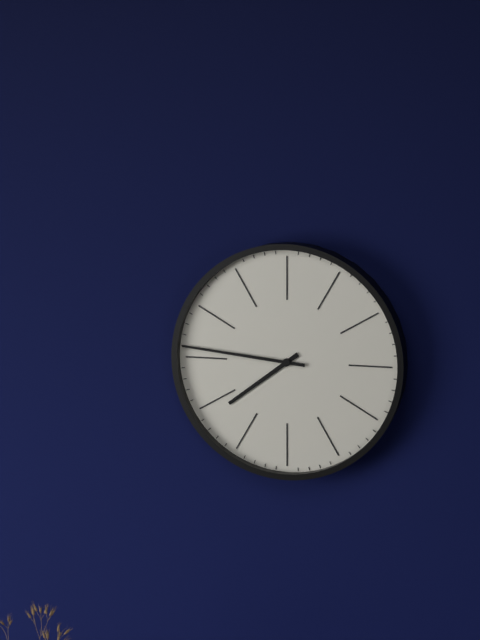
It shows {"hour": 7, "minute": 46}
